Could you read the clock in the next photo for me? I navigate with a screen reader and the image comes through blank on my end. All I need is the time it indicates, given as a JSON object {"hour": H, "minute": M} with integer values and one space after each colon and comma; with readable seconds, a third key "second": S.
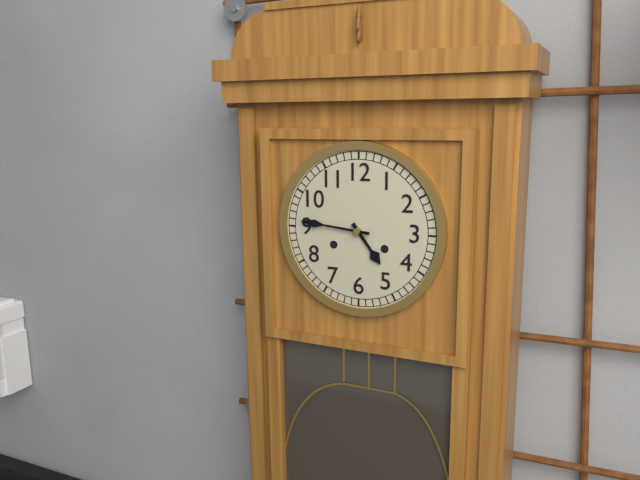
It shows {"hour": 4, "minute": 46}
